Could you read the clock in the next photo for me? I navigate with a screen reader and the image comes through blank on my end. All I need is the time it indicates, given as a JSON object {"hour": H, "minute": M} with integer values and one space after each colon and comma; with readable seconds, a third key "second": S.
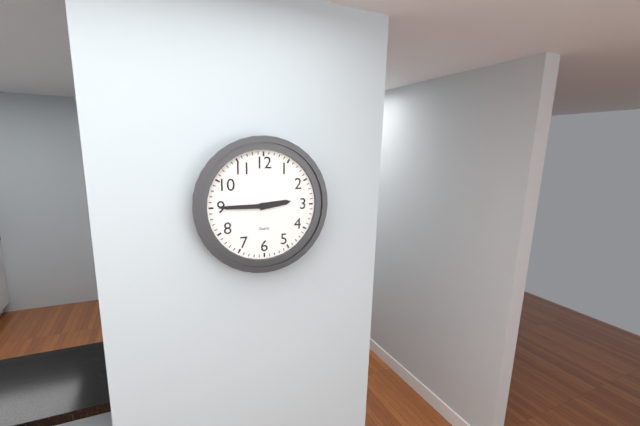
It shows {"hour": 2, "minute": 45}
